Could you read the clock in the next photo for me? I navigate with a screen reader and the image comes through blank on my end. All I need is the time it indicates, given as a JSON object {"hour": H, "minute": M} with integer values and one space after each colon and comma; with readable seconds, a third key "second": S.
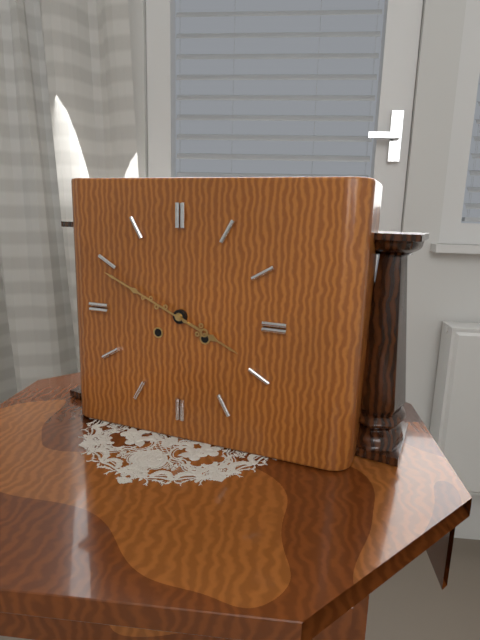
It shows {"hour": 3, "minute": 49}
